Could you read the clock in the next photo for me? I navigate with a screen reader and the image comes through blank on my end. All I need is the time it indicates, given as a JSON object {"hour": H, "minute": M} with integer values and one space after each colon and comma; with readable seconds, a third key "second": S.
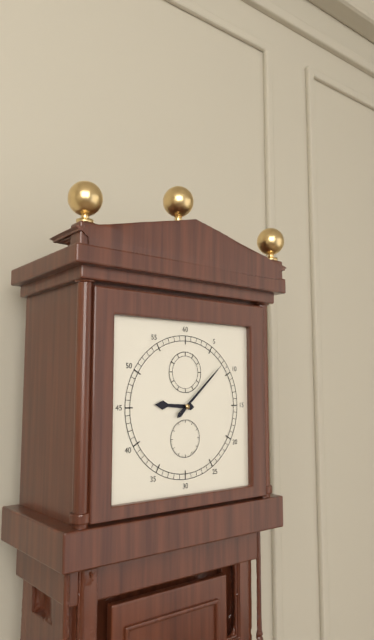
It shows {"hour": 9, "minute": 8}
